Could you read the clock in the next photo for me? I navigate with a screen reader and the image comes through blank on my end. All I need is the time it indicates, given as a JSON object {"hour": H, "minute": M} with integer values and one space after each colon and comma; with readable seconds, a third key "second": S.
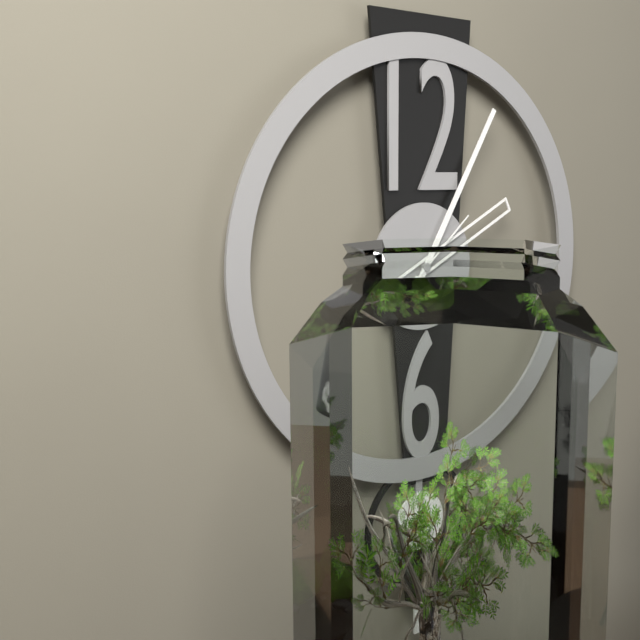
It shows {"hour": 2, "minute": 5, "second": 8}
